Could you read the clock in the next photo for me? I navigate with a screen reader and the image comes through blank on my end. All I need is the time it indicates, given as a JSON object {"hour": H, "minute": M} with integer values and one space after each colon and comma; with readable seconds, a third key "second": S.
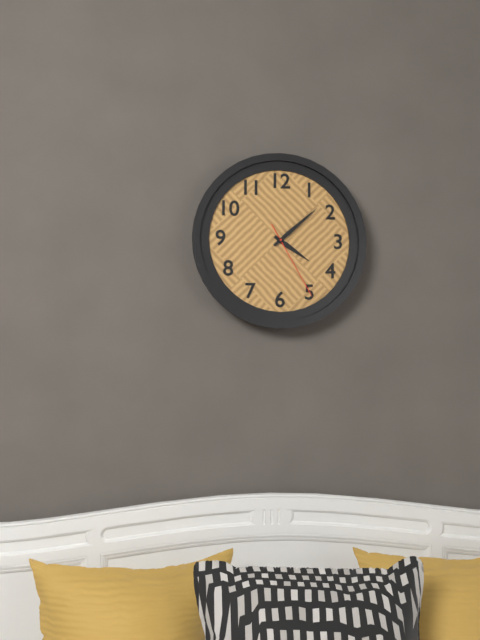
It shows {"hour": 4, "minute": 8, "second": 25}
